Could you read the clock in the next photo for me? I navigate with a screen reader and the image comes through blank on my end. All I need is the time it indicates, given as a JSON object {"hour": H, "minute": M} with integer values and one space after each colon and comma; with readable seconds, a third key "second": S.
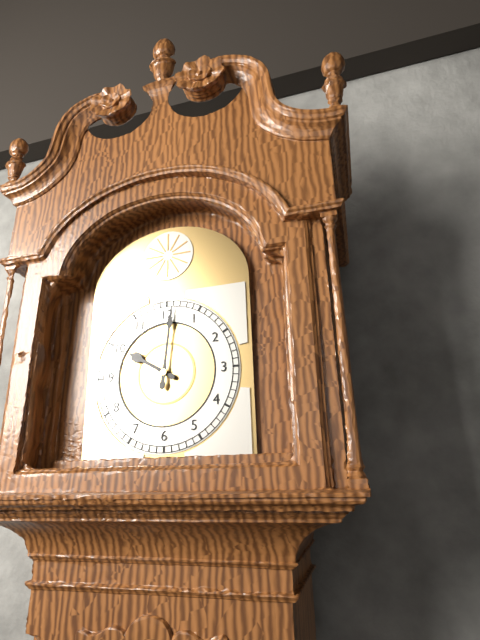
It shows {"hour": 10, "minute": 1}
